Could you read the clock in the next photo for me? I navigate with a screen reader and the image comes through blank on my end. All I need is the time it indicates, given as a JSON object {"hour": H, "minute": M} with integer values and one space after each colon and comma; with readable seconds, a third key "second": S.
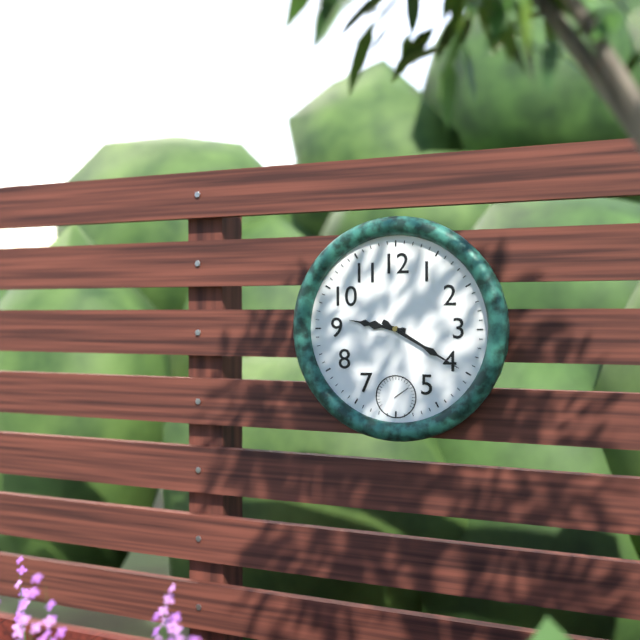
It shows {"hour": 9, "minute": 20}
